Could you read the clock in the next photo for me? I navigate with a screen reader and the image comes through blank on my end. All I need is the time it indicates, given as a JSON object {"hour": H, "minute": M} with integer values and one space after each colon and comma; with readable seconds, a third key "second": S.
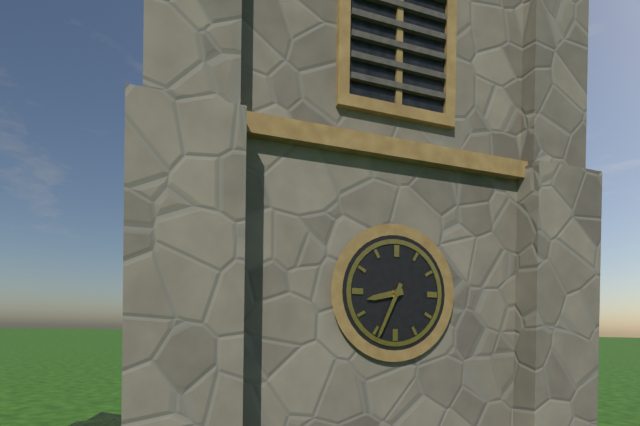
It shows {"hour": 8, "minute": 34}
